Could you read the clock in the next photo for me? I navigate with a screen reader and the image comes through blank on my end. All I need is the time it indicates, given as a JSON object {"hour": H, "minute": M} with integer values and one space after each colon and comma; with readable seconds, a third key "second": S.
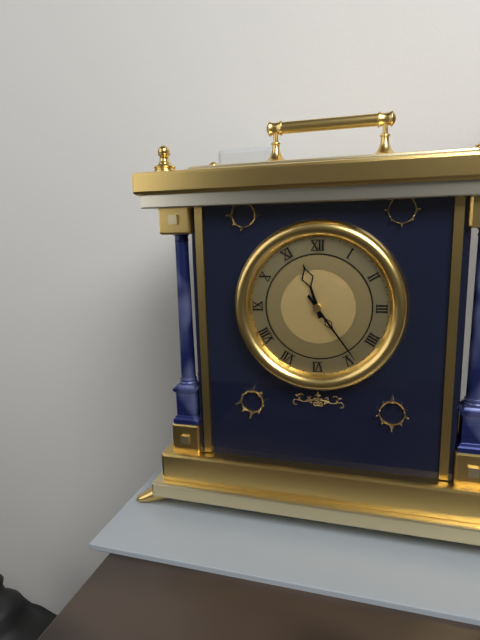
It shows {"hour": 11, "minute": 24}
